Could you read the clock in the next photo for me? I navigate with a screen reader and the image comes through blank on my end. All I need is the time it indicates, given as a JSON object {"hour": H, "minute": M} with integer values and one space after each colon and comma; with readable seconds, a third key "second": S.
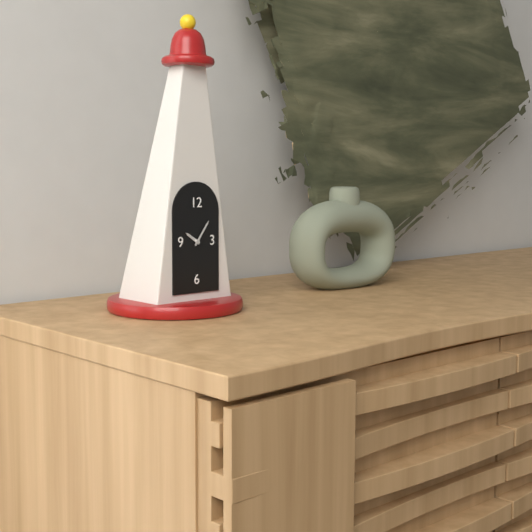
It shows {"hour": 10, "minute": 6}
